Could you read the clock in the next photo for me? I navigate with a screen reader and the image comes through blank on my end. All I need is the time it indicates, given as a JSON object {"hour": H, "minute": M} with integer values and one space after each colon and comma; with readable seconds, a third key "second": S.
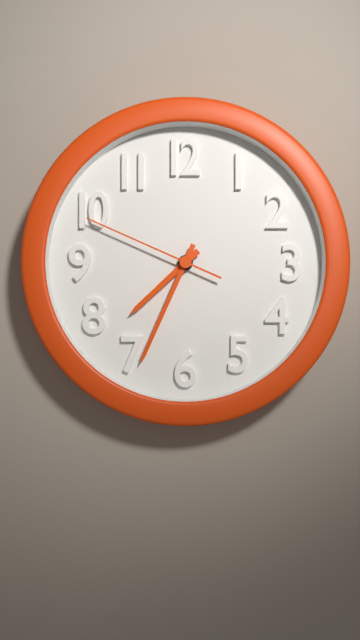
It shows {"hour": 7, "minute": 34, "second": 49}
